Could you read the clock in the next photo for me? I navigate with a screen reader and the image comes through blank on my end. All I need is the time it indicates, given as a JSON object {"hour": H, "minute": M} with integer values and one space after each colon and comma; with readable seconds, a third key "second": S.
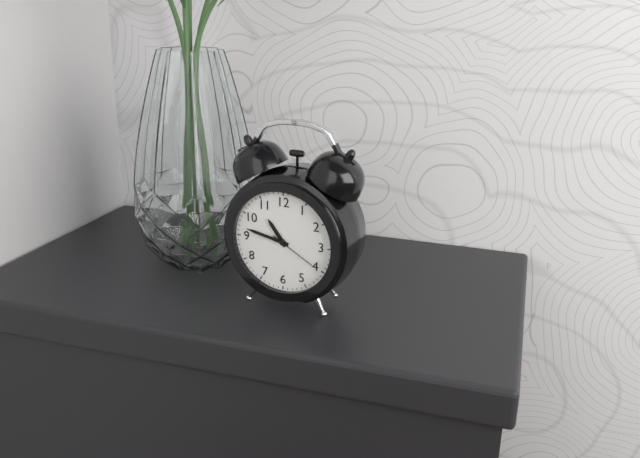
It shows {"hour": 10, "minute": 47, "second": 20}
